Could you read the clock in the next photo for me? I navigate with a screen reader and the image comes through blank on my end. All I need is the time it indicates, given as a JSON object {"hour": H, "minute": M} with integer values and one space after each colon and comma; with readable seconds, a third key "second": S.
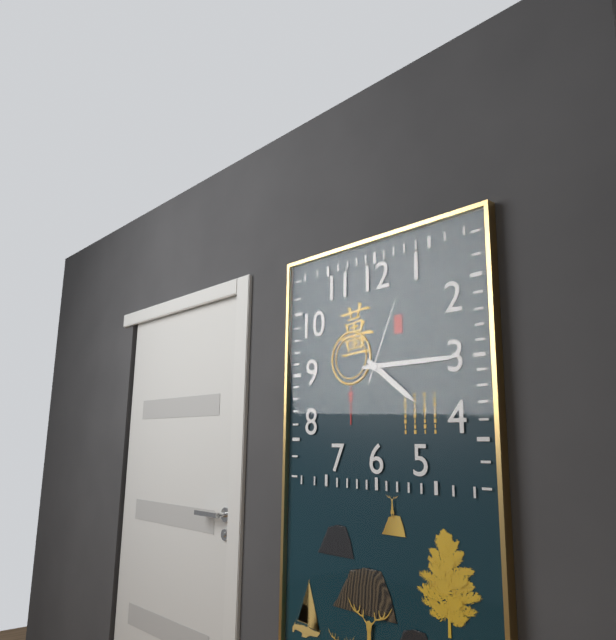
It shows {"hour": 4, "minute": 15, "second": 4}
